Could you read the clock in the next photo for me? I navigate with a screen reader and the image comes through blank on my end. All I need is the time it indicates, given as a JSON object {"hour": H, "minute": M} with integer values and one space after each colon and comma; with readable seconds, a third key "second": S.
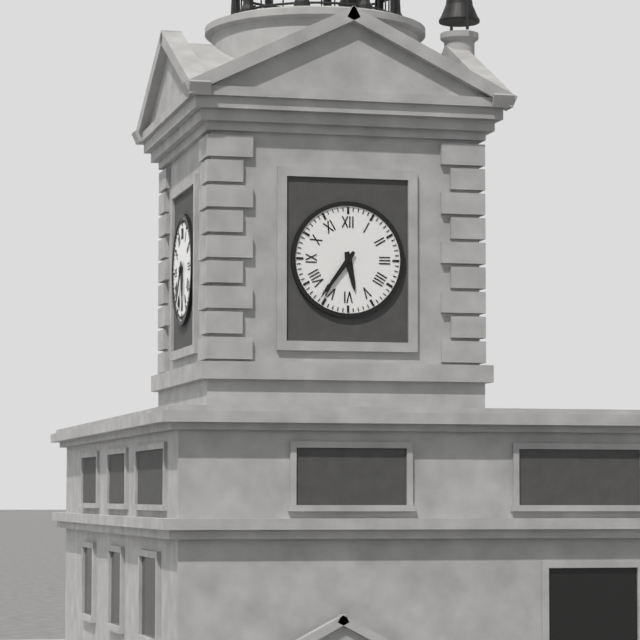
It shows {"hour": 5, "minute": 36}
